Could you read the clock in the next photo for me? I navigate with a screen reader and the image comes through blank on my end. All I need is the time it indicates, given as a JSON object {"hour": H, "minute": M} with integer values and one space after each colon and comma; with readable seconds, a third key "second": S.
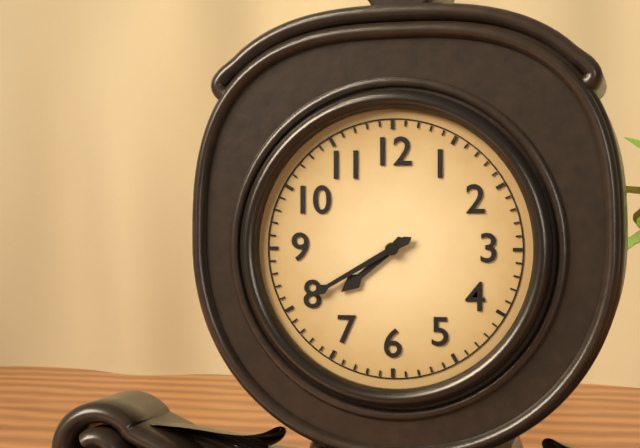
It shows {"hour": 7, "minute": 40}
